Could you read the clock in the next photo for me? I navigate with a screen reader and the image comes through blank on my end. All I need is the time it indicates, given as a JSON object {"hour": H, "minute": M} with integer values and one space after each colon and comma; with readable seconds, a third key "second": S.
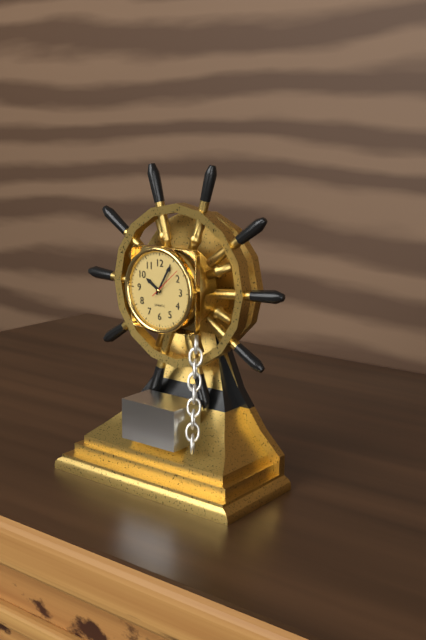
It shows {"hour": 10, "minute": 5}
